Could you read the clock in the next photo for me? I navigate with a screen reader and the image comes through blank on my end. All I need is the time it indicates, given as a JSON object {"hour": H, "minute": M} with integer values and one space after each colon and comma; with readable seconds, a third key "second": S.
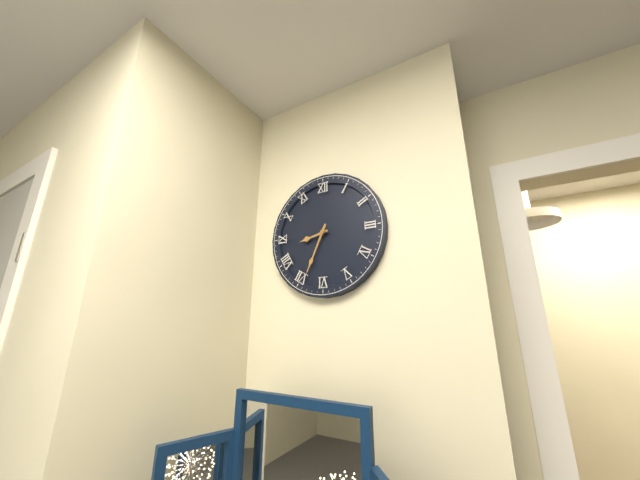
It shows {"hour": 8, "minute": 34}
